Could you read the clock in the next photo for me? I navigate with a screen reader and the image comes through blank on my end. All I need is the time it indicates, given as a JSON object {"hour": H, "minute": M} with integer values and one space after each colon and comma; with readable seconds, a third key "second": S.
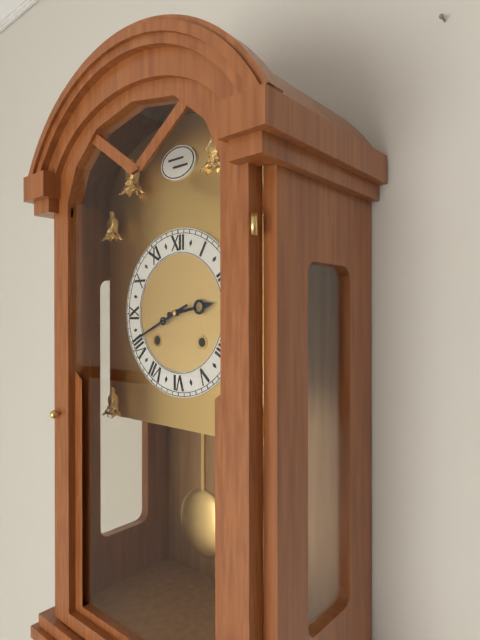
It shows {"hour": 2, "minute": 41}
